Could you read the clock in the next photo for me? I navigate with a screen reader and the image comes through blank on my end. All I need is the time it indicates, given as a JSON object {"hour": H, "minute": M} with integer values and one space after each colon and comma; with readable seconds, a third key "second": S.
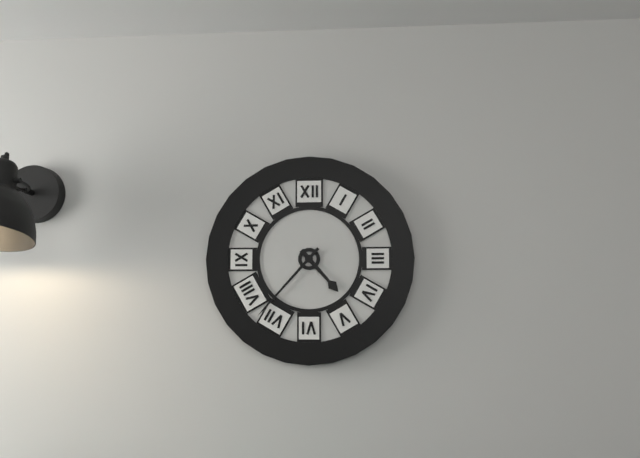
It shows {"hour": 4, "minute": 37}
